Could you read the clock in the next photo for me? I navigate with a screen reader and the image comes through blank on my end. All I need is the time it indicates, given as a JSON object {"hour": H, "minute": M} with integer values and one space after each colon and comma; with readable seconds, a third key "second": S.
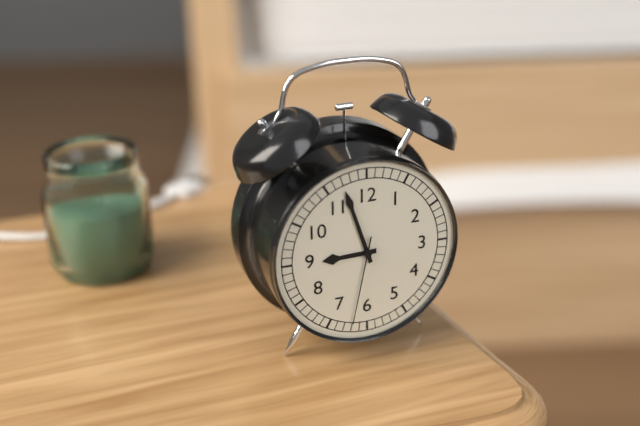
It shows {"hour": 8, "minute": 57, "second": 32}
